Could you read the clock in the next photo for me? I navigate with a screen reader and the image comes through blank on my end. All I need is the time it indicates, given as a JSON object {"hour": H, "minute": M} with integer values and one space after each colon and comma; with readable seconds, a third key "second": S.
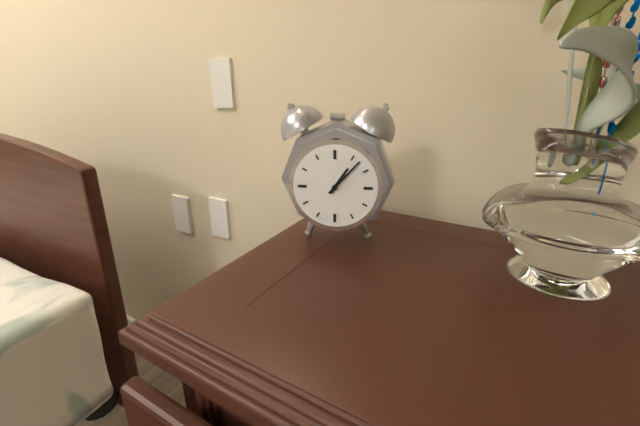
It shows {"hour": 1, "minute": 7}
